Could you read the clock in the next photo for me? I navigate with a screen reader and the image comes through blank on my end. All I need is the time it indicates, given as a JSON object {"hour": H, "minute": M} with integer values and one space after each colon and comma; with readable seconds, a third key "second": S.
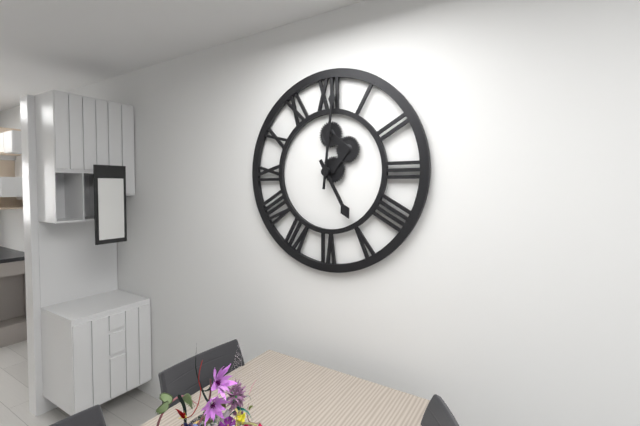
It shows {"hour": 5, "minute": 1}
